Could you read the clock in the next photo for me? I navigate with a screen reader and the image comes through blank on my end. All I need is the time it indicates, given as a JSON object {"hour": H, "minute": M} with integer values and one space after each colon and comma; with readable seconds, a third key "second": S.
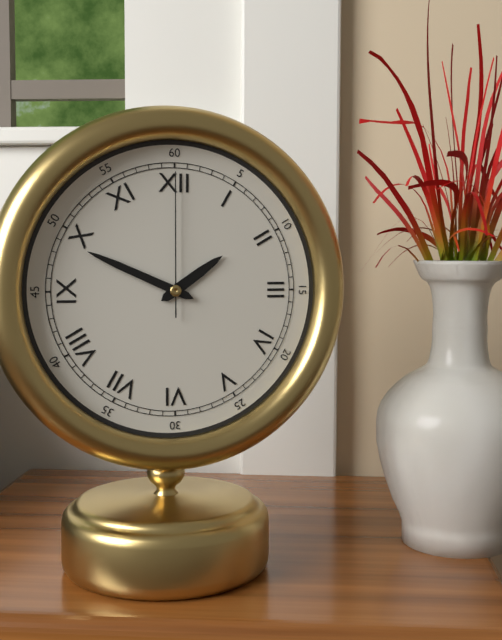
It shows {"hour": 1, "minute": 49, "second": 0}
